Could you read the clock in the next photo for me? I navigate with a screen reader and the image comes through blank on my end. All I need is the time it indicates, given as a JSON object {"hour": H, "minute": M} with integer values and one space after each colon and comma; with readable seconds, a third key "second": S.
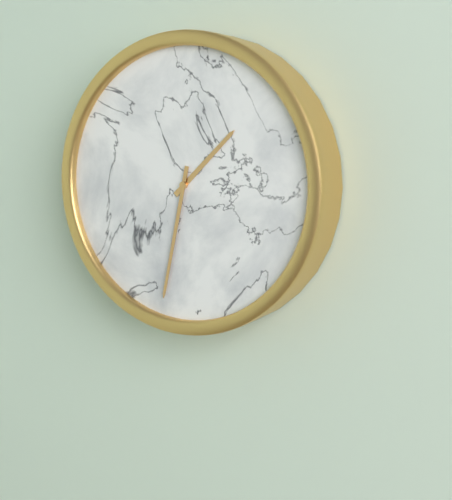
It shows {"hour": 1, "minute": 32}
